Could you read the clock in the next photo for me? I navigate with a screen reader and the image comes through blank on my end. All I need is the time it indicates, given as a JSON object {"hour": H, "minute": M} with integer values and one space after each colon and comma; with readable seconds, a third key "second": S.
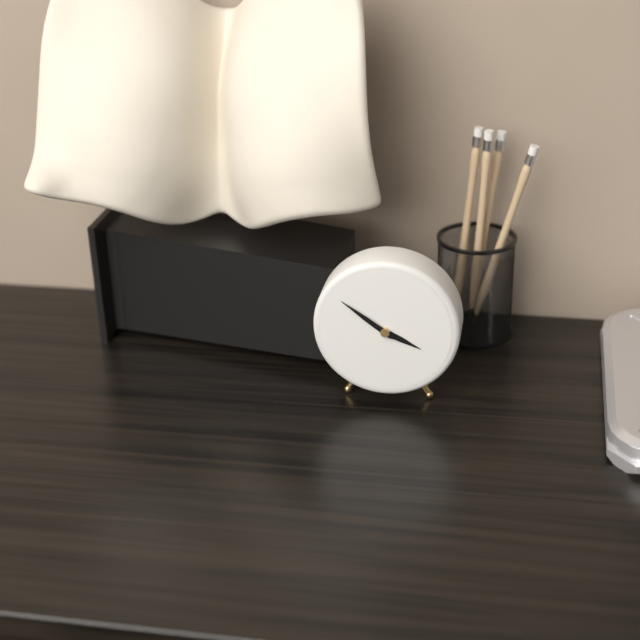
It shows {"hour": 3, "minute": 51}
